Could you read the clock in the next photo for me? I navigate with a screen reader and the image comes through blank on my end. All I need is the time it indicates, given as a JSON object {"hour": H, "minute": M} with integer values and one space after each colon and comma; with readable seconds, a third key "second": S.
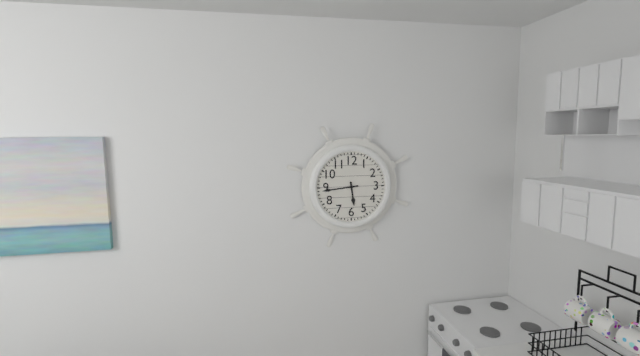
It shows {"hour": 5, "minute": 44}
